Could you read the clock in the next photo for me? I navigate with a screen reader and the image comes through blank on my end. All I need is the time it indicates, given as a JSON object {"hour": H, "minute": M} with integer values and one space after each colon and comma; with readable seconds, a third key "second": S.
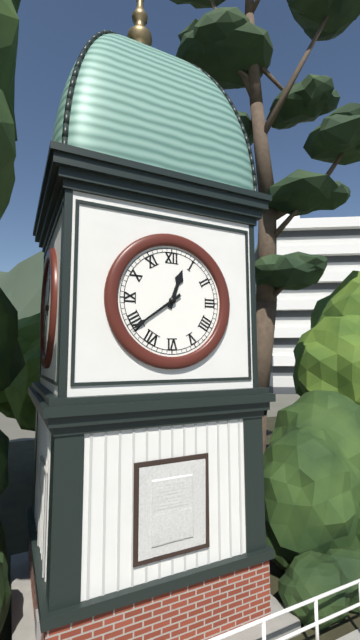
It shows {"hour": 12, "minute": 39}
